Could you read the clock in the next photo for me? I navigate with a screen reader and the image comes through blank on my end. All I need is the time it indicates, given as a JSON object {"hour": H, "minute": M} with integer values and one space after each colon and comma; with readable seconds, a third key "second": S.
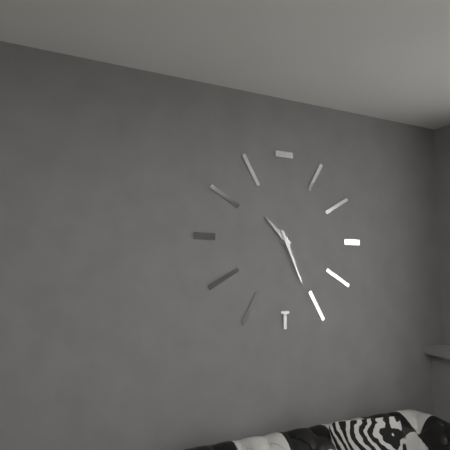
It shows {"hour": 10, "minute": 26}
